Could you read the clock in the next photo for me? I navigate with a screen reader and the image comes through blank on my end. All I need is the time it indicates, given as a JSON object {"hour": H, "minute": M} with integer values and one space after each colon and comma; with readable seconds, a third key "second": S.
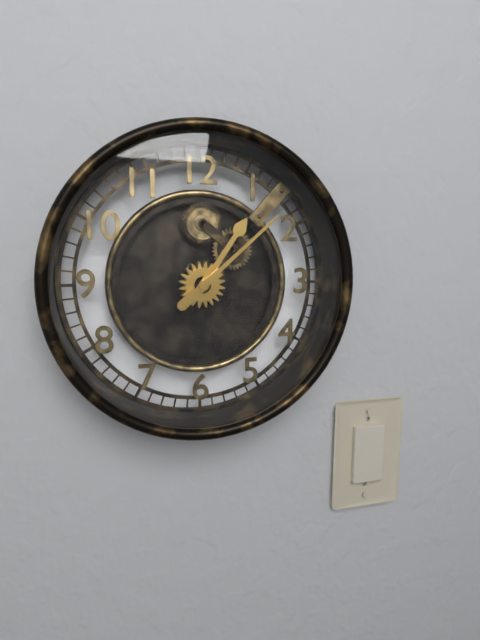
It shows {"hour": 1, "minute": 8}
